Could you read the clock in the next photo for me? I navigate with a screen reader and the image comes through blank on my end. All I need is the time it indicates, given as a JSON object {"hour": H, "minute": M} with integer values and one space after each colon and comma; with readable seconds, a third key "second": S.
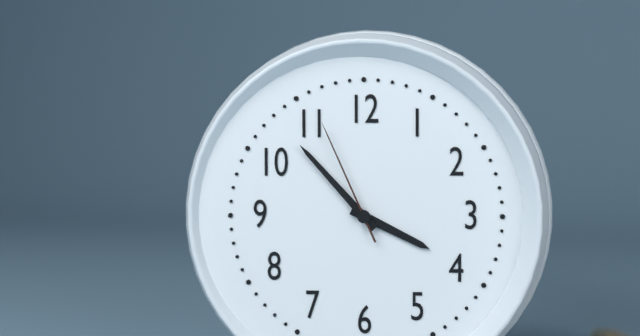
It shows {"hour": 3, "minute": 53, "second": 56}
